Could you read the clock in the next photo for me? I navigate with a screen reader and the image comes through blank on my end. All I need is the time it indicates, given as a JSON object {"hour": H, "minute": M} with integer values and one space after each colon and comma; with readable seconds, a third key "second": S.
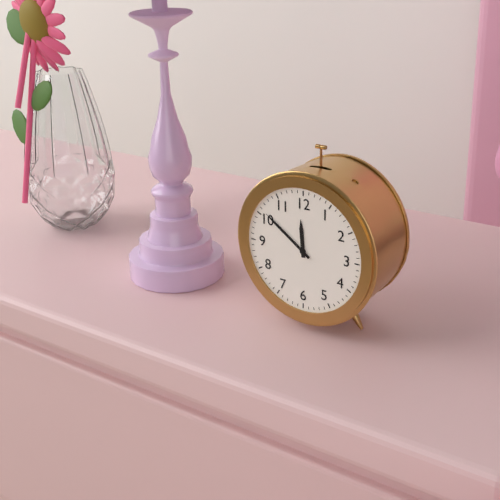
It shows {"hour": 11, "minute": 51}
